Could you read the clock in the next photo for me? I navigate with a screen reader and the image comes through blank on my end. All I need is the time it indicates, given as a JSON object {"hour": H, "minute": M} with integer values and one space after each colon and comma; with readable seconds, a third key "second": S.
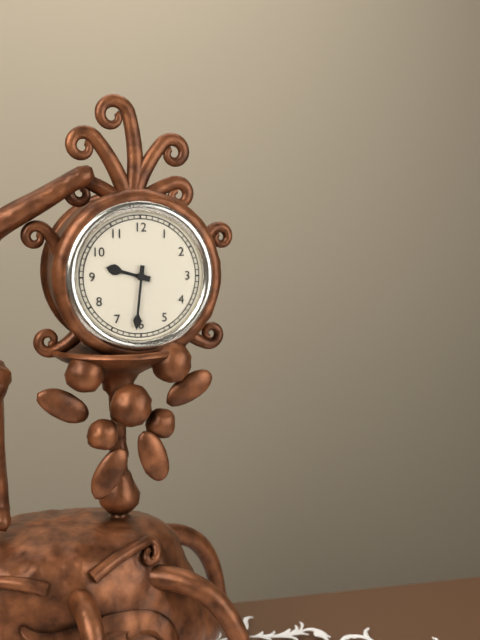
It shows {"hour": 9, "minute": 31}
